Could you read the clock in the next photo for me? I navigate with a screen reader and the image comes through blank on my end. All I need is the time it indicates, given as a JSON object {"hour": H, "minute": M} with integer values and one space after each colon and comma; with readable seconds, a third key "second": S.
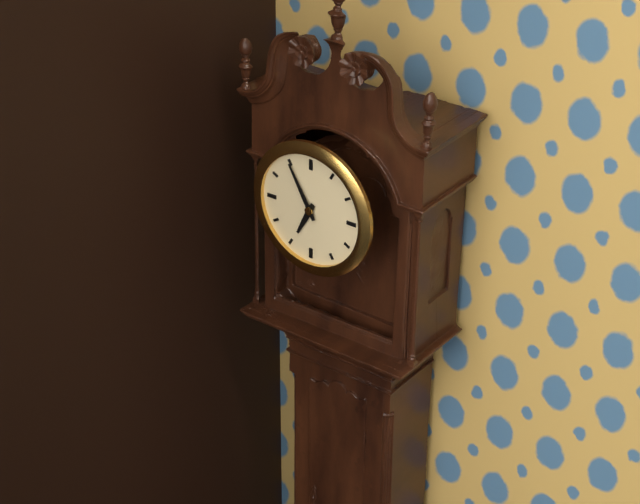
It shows {"hour": 6, "minute": 55}
